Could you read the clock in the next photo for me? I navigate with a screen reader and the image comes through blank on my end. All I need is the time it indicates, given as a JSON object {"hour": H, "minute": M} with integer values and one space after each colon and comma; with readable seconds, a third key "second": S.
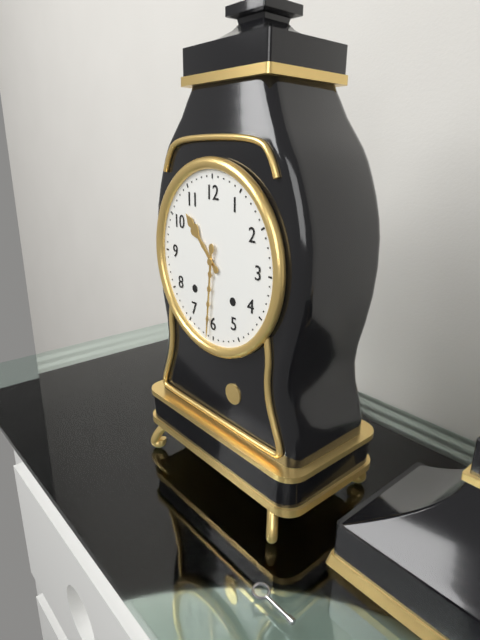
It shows {"hour": 10, "minute": 31}
